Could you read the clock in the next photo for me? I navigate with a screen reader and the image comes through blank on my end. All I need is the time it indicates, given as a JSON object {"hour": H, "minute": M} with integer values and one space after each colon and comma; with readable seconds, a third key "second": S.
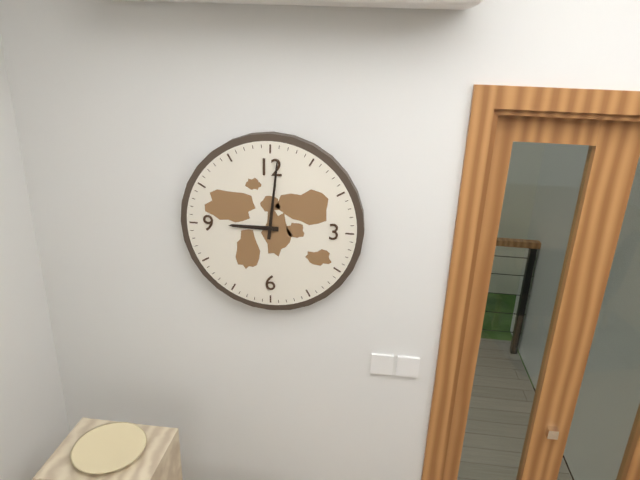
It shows {"hour": 9, "minute": 1}
